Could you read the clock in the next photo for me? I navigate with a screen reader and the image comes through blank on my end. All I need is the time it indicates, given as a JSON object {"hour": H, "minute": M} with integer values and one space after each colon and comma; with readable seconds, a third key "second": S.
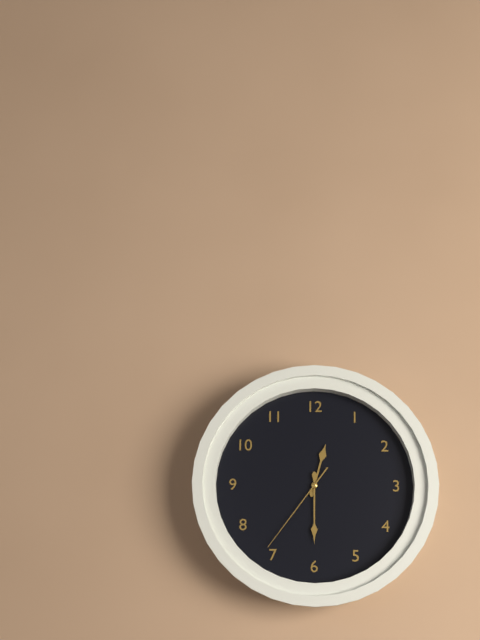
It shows {"hour": 12, "minute": 30, "second": 36}
